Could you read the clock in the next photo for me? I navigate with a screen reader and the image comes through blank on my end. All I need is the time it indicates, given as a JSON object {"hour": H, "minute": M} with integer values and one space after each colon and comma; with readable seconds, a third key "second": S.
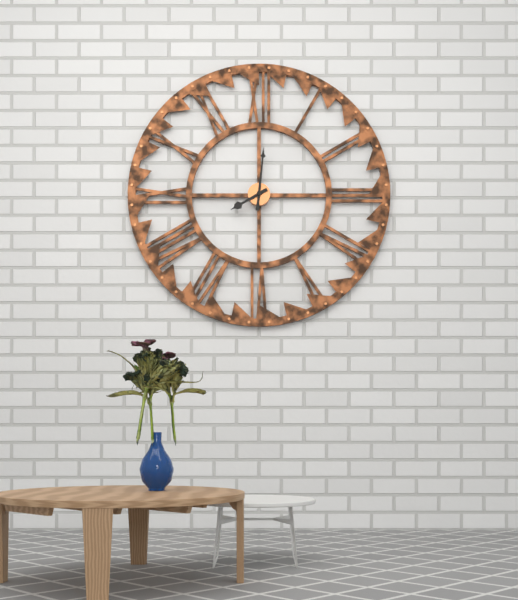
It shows {"hour": 8, "minute": 1}
